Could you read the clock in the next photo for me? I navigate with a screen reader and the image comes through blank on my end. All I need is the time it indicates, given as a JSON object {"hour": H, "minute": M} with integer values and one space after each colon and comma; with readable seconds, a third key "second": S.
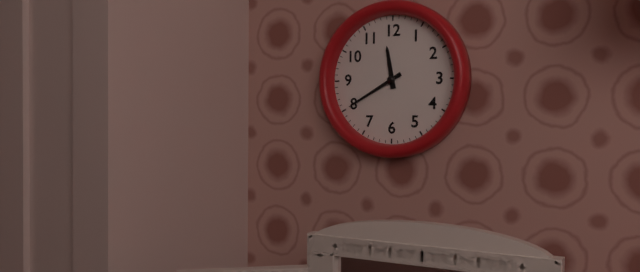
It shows {"hour": 11, "minute": 40}
